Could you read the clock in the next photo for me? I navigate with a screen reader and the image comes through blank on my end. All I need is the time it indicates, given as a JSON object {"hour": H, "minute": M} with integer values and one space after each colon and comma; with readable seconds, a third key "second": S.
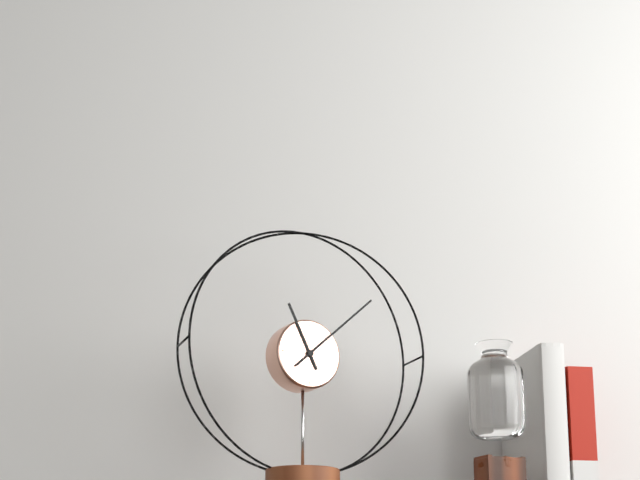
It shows {"hour": 11, "minute": 8}
